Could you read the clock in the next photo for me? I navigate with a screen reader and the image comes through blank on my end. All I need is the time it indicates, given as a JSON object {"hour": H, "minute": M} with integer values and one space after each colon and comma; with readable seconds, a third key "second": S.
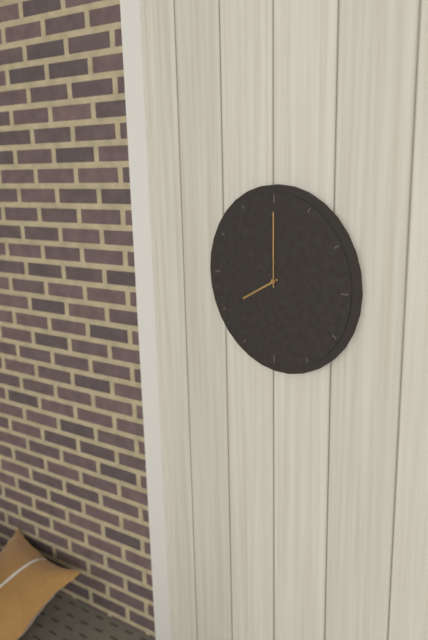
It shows {"hour": 8, "minute": 0}
